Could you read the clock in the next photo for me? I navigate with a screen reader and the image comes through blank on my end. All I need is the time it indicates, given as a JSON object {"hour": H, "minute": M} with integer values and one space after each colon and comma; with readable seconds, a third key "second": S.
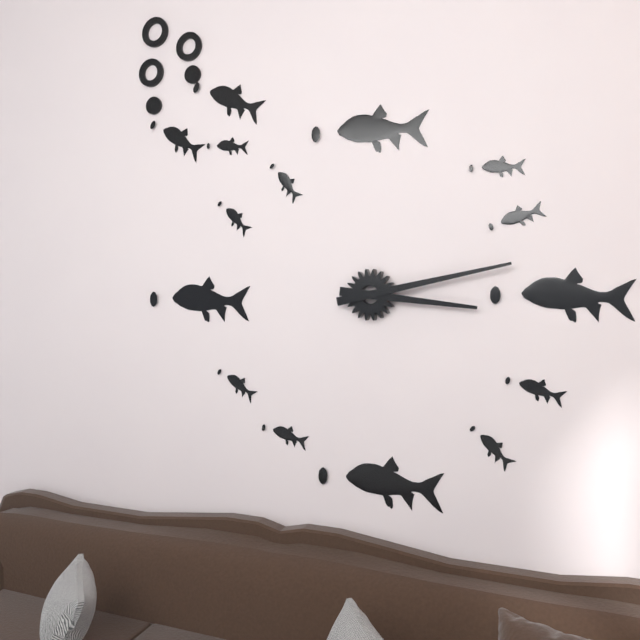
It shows {"hour": 3, "minute": 13}
